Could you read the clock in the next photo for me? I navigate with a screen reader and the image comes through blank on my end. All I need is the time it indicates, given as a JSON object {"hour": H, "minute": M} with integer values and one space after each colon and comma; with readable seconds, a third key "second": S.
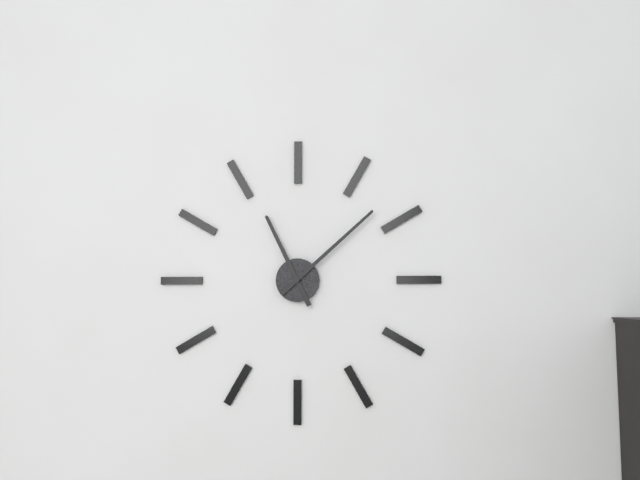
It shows {"hour": 11, "minute": 8}
